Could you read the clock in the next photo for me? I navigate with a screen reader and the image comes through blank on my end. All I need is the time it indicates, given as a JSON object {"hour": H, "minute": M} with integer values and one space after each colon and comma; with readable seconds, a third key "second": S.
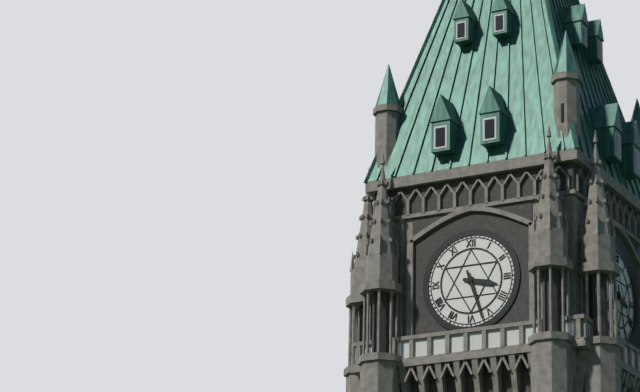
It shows {"hour": 3, "minute": 27}
